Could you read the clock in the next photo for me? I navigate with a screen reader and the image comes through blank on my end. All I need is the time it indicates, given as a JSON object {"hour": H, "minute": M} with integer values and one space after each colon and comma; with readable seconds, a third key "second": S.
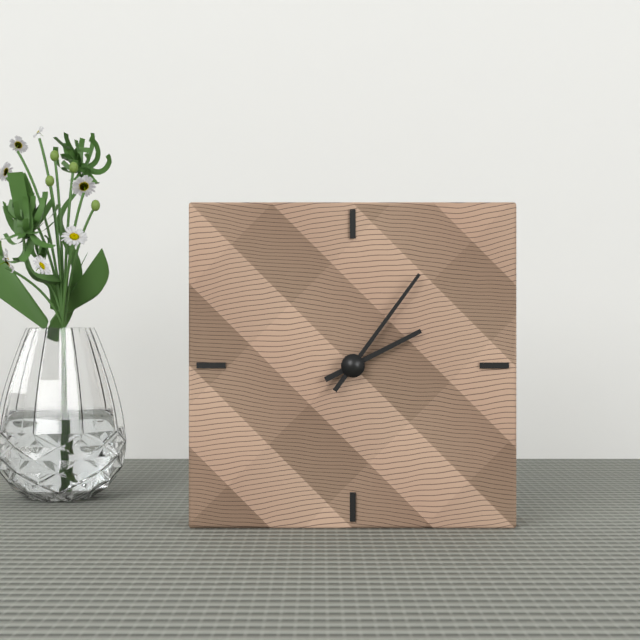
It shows {"hour": 2, "minute": 6}
